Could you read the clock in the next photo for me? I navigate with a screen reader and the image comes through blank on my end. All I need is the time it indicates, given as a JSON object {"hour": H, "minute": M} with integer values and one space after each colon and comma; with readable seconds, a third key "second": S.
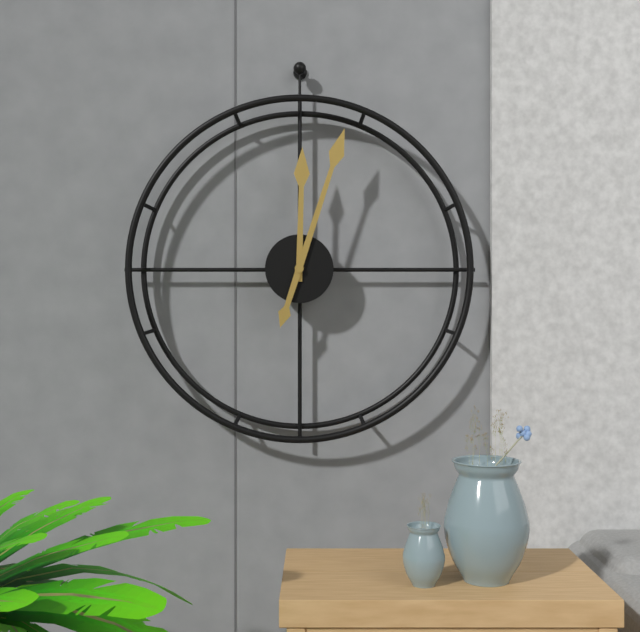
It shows {"hour": 12, "minute": 3}
